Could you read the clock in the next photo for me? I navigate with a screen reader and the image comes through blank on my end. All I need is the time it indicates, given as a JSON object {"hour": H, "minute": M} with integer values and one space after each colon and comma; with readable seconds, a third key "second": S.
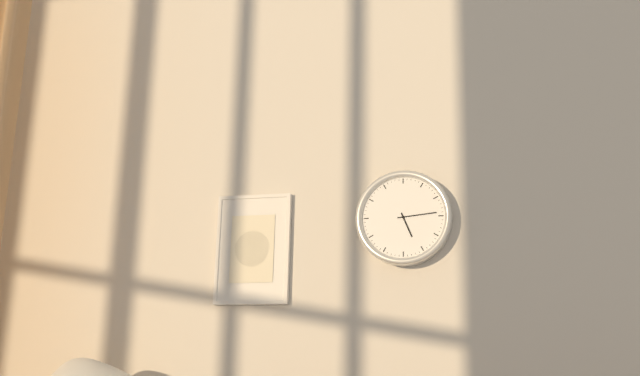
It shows {"hour": 5, "minute": 14}
